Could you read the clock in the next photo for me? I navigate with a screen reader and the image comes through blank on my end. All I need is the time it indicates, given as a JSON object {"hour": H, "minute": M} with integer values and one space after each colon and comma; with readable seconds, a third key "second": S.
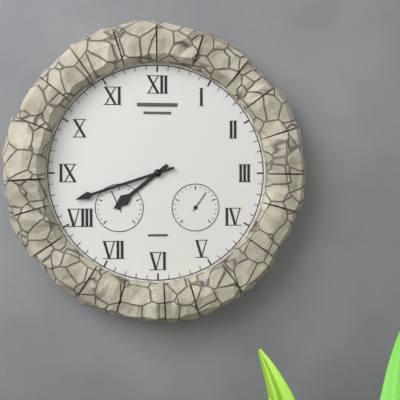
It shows {"hour": 7, "minute": 42}
